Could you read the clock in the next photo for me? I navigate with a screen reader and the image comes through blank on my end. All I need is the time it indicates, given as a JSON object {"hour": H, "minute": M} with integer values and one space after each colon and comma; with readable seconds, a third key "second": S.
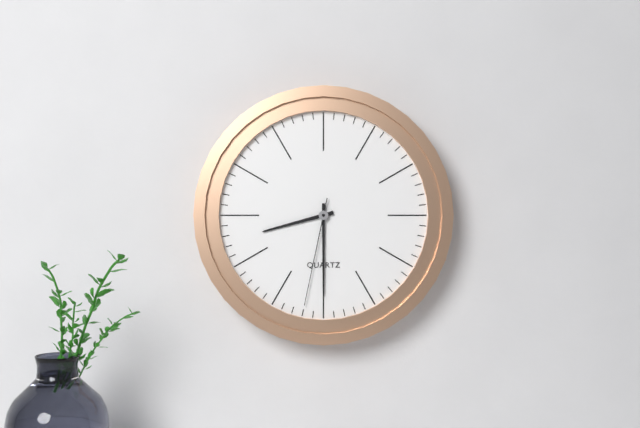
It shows {"hour": 8, "minute": 30, "second": 32}
